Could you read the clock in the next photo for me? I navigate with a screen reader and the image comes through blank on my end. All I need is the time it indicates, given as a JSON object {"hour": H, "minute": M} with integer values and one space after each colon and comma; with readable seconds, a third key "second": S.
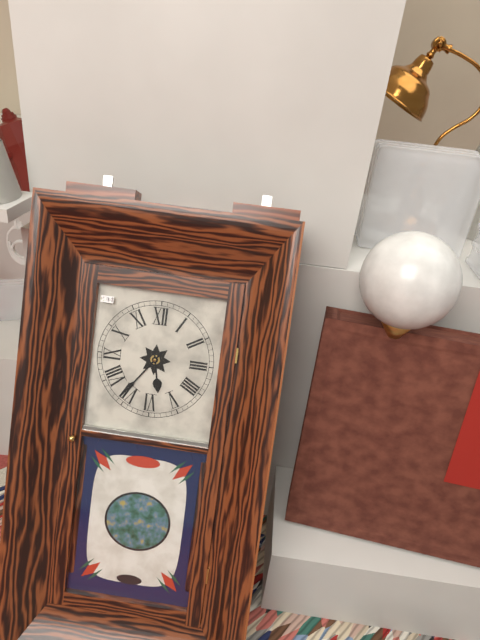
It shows {"hour": 5, "minute": 36}
